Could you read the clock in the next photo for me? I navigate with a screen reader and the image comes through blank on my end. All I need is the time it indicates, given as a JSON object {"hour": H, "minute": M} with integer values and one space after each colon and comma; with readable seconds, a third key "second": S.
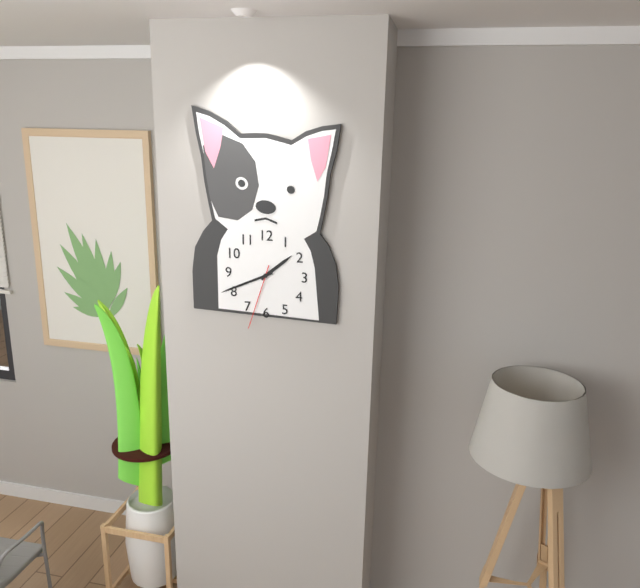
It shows {"hour": 1, "minute": 41, "second": 33}
